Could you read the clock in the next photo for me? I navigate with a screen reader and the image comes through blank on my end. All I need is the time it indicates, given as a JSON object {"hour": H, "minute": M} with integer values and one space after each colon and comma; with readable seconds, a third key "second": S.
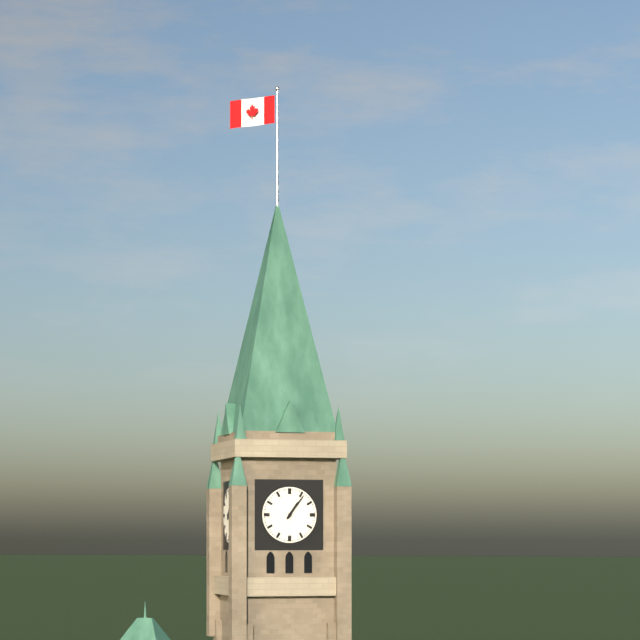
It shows {"hour": 1, "minute": 6}
